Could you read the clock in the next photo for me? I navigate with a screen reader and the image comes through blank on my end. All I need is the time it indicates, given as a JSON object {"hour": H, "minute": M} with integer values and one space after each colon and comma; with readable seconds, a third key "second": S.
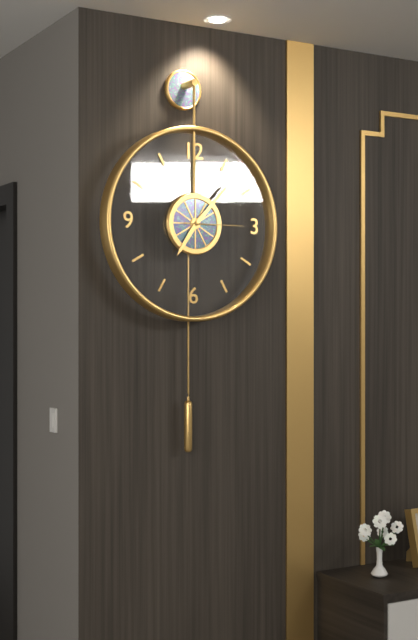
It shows {"hour": 7, "minute": 7, "second": 15}
